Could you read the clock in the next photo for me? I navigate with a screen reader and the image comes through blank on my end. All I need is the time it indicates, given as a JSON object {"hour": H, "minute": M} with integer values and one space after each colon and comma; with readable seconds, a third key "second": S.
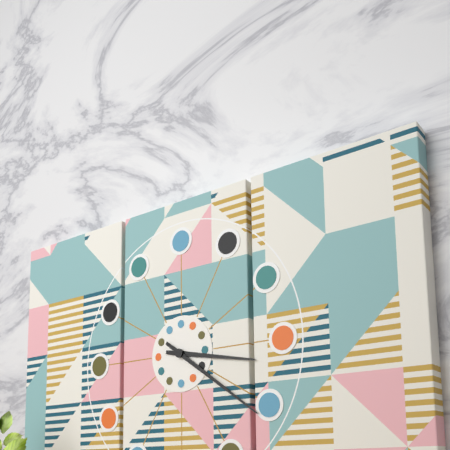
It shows {"hour": 3, "minute": 21}
